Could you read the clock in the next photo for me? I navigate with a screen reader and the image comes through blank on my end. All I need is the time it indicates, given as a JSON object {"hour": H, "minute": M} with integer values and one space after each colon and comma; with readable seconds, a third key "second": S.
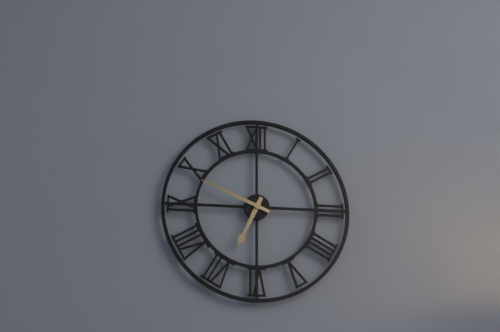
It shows {"hour": 6, "minute": 49}
